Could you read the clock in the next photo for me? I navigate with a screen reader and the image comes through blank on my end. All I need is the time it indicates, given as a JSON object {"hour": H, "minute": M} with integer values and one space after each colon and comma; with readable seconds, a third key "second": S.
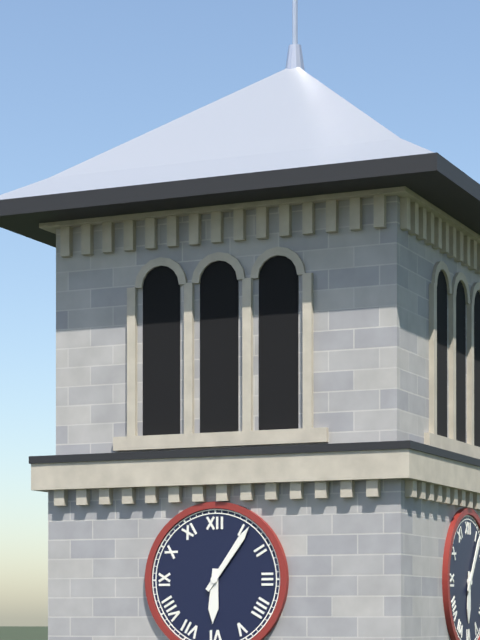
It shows {"hour": 6, "minute": 6}
